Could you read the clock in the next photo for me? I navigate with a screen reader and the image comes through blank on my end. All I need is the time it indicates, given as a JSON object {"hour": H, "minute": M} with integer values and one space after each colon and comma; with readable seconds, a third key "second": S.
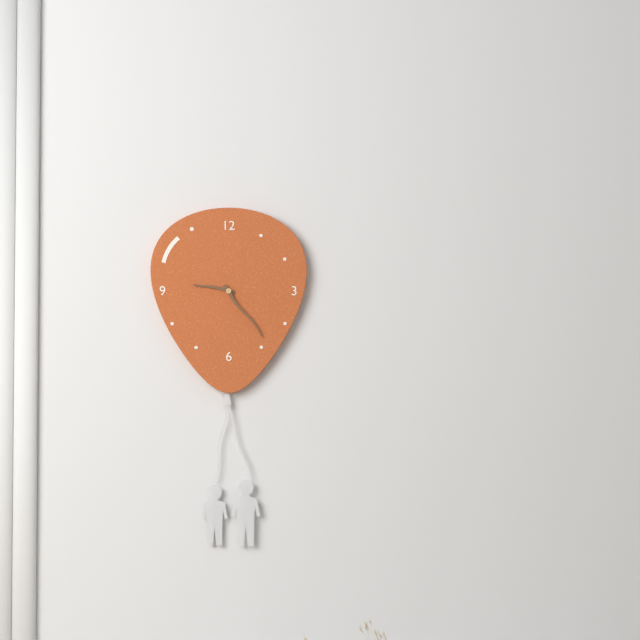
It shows {"hour": 9, "minute": 24}
